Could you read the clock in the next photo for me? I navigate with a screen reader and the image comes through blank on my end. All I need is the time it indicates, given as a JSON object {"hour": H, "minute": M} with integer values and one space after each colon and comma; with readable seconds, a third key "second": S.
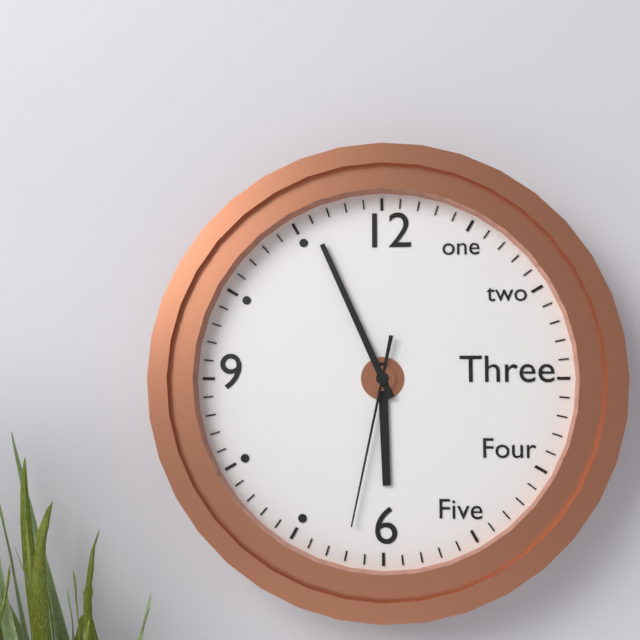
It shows {"hour": 5, "minute": 56, "second": 32}
